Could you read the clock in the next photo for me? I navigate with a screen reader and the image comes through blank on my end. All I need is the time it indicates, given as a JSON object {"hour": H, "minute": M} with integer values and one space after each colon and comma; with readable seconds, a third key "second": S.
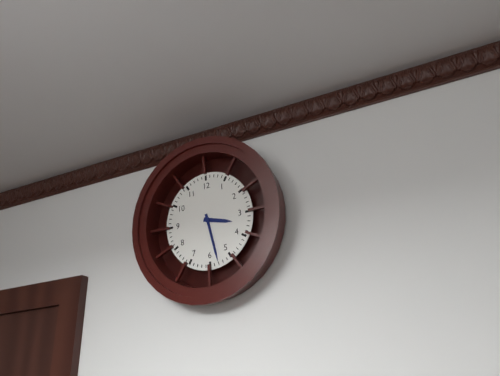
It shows {"hour": 3, "minute": 28}
